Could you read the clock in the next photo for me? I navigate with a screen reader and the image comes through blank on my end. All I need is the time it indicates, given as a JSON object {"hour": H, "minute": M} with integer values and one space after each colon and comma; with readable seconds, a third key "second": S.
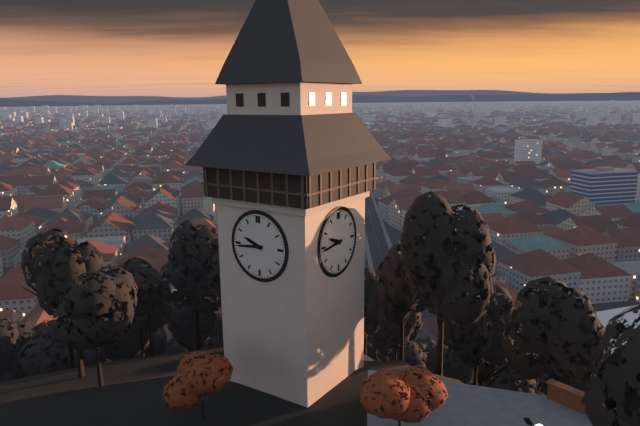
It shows {"hour": 9, "minute": 44}
